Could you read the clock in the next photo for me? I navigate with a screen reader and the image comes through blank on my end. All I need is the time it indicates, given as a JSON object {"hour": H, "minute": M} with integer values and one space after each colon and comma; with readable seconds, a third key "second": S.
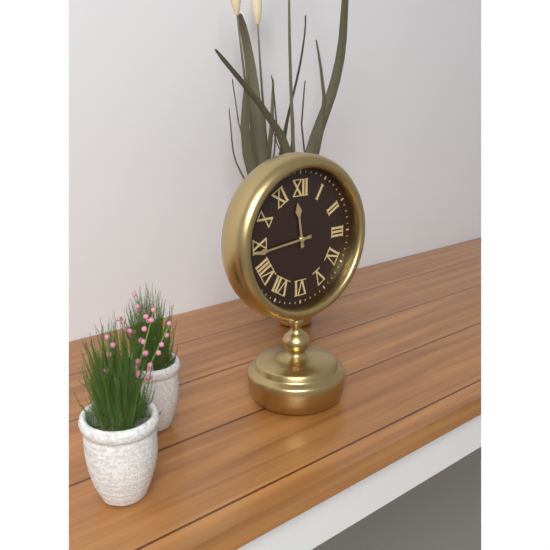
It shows {"hour": 11, "minute": 44}
